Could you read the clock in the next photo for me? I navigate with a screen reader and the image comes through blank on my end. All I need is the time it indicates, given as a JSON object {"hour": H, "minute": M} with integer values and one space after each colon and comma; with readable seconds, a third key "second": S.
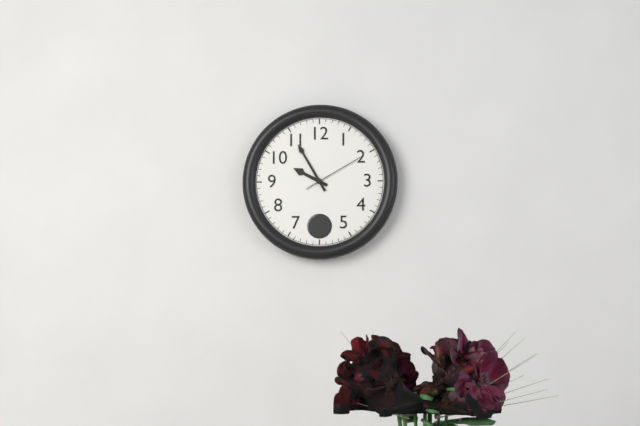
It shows {"hour": 9, "minute": 55, "second": 10}
